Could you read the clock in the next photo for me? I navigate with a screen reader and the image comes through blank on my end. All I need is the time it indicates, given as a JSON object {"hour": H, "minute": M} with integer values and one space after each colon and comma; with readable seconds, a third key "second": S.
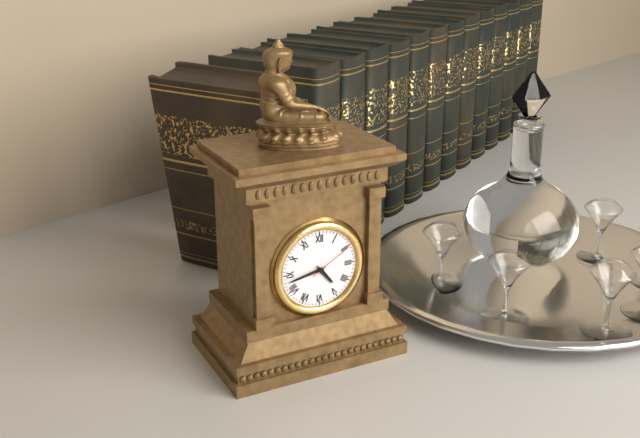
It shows {"hour": 4, "minute": 43}
